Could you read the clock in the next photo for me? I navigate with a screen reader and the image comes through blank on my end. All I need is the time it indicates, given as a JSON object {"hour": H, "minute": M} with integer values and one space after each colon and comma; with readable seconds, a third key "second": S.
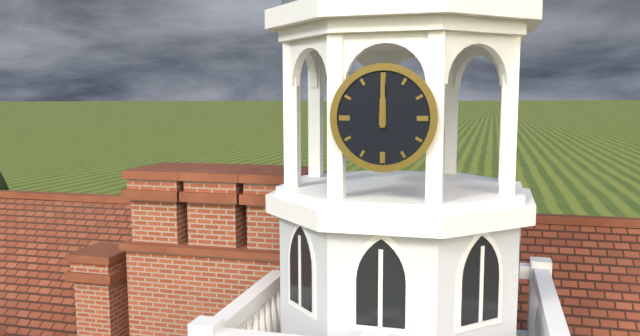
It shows {"hour": 12, "minute": 0}
